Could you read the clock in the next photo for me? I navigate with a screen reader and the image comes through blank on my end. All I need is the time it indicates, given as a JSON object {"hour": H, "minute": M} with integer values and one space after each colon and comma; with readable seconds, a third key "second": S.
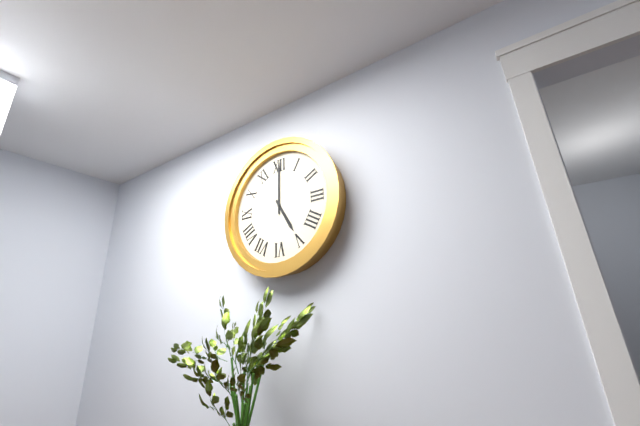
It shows {"hour": 5, "minute": 0}
